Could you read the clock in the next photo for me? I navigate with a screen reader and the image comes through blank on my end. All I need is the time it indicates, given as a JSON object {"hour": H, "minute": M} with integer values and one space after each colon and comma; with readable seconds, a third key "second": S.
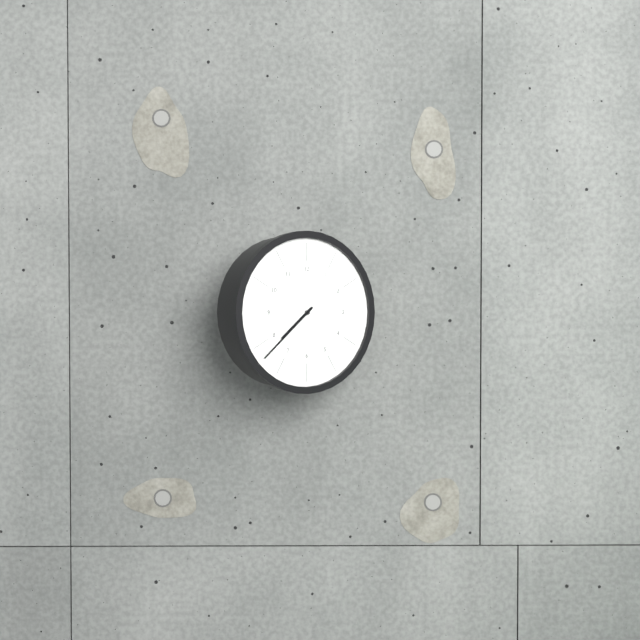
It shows {"hour": 7, "minute": 38}
